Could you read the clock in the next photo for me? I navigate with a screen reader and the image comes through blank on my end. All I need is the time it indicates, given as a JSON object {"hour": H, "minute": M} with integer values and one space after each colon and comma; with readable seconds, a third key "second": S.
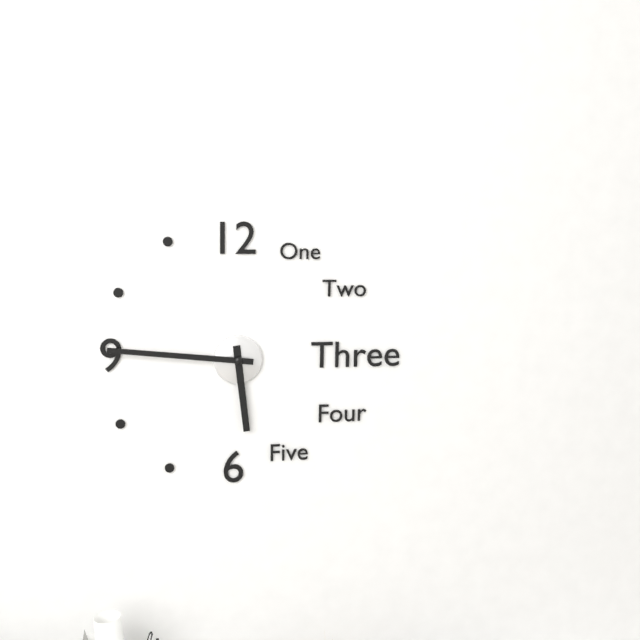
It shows {"hour": 5, "minute": 46}
